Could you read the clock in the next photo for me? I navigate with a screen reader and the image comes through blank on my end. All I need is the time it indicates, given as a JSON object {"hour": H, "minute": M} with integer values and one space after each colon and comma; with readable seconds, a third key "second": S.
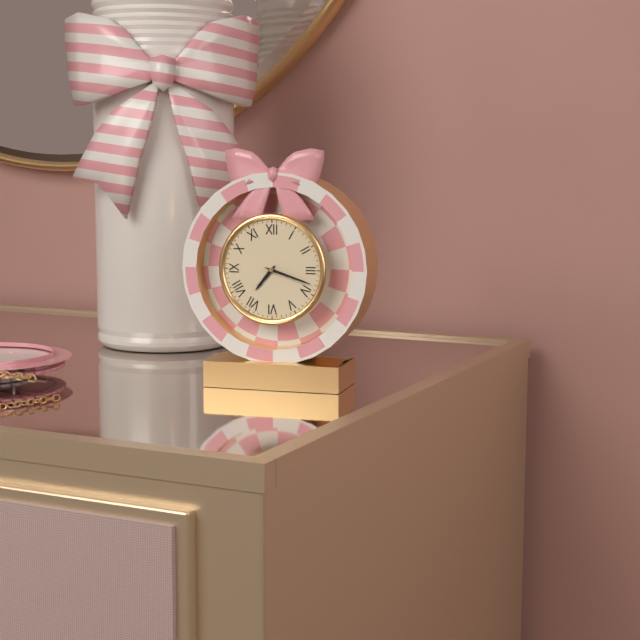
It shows {"hour": 7, "minute": 18}
